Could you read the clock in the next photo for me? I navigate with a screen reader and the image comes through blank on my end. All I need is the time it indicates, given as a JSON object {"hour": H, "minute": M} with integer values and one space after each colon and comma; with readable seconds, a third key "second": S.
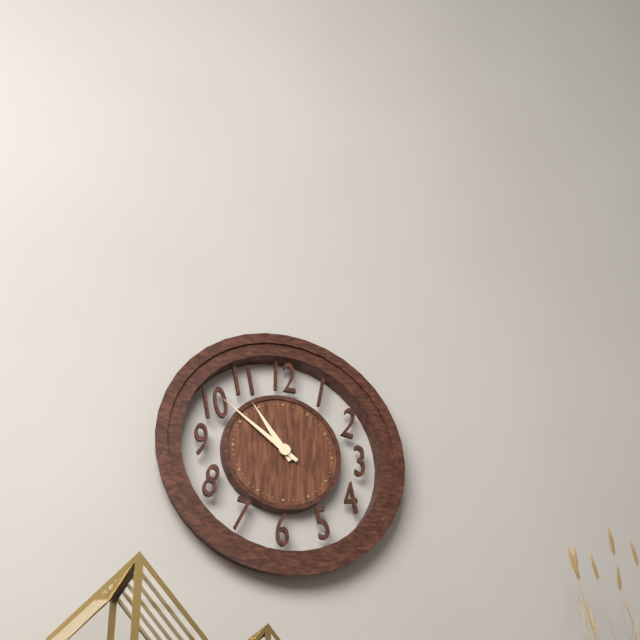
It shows {"hour": 10, "minute": 51}
